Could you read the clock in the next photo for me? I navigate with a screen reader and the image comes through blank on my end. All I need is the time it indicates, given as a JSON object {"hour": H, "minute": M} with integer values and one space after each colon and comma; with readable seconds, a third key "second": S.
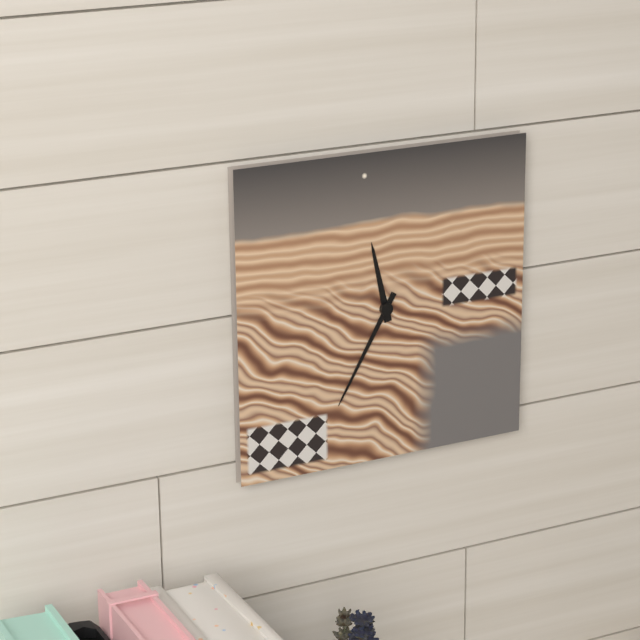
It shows {"hour": 11, "minute": 35}
